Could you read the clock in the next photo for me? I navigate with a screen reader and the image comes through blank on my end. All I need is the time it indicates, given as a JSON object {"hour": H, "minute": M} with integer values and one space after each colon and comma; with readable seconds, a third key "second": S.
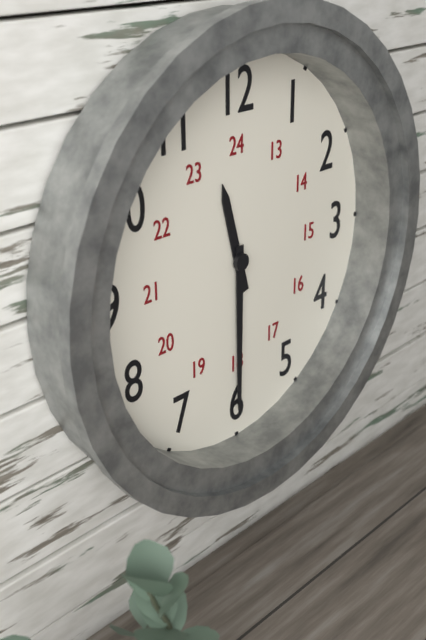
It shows {"hour": 11, "minute": 30}
